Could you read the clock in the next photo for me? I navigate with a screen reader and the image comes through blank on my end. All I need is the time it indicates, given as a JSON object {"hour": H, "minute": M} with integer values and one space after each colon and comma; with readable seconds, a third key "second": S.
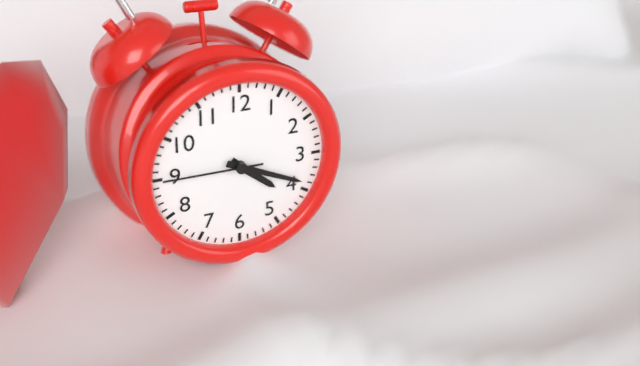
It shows {"hour": 4, "minute": 19, "second": 45}
